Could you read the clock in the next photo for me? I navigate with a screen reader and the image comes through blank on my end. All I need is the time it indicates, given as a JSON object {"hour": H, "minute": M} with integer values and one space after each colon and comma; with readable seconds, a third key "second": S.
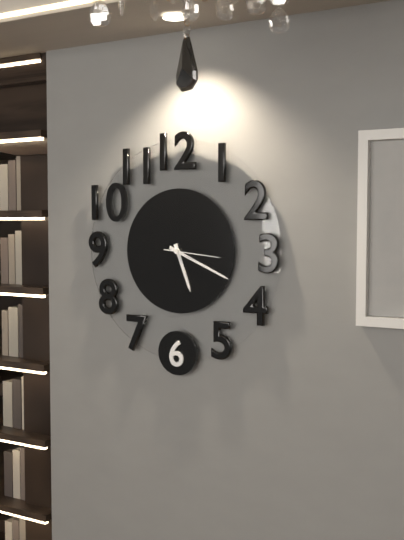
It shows {"hour": 5, "minute": 19}
